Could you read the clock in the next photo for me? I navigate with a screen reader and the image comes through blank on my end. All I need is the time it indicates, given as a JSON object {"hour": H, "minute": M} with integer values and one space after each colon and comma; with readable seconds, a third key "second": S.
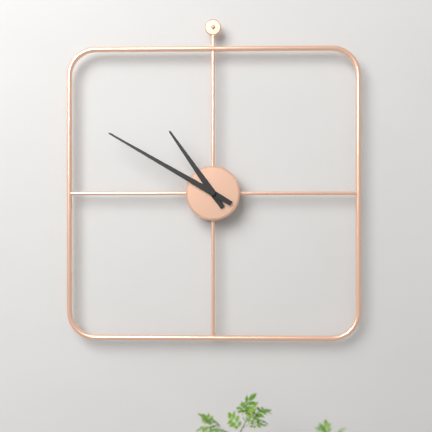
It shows {"hour": 10, "minute": 50}
